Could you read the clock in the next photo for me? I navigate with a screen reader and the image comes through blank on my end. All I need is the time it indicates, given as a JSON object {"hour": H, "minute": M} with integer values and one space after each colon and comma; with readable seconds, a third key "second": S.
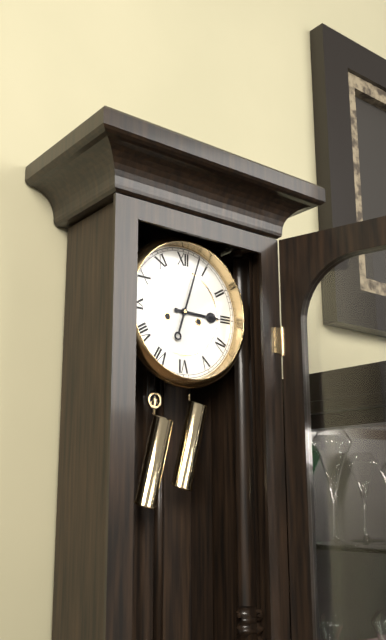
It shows {"hour": 3, "minute": 3}
